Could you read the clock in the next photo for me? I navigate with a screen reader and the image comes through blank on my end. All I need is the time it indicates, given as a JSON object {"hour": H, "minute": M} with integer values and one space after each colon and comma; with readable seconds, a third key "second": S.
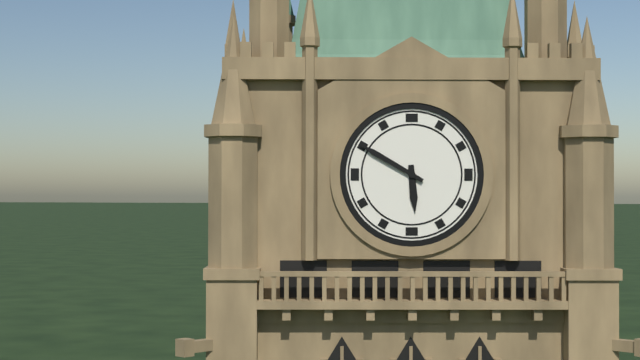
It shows {"hour": 5, "minute": 50}
